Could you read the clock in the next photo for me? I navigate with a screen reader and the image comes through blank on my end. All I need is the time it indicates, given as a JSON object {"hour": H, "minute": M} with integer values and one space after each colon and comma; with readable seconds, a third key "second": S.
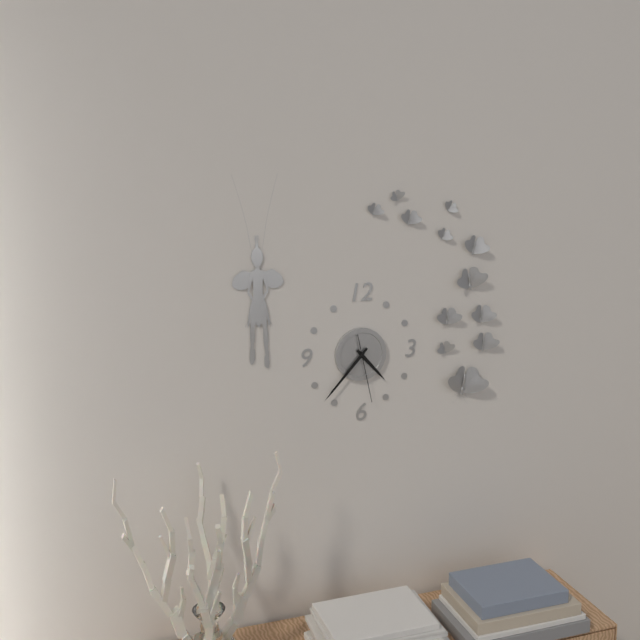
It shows {"hour": 4, "minute": 37, "second": 28}
